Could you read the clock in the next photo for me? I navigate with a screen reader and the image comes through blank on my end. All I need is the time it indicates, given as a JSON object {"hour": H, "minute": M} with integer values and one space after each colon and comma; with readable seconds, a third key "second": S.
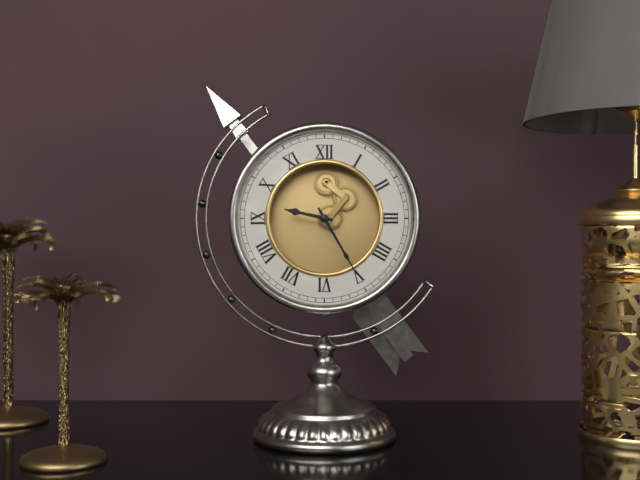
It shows {"hour": 9, "minute": 25}
